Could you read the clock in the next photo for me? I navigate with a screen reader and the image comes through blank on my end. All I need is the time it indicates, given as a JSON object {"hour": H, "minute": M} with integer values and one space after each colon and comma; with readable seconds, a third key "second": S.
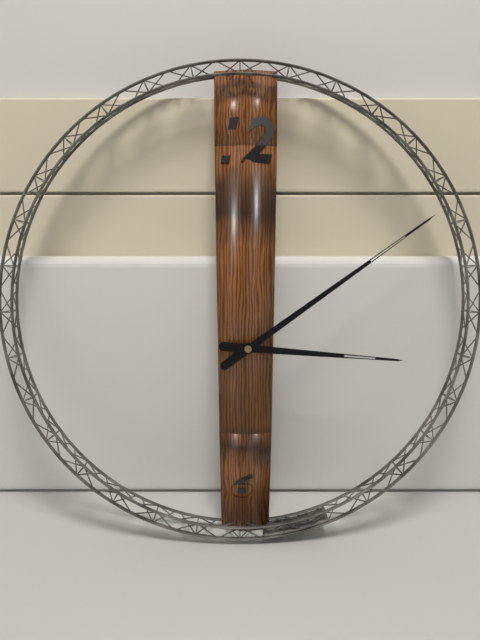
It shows {"hour": 3, "minute": 9}
